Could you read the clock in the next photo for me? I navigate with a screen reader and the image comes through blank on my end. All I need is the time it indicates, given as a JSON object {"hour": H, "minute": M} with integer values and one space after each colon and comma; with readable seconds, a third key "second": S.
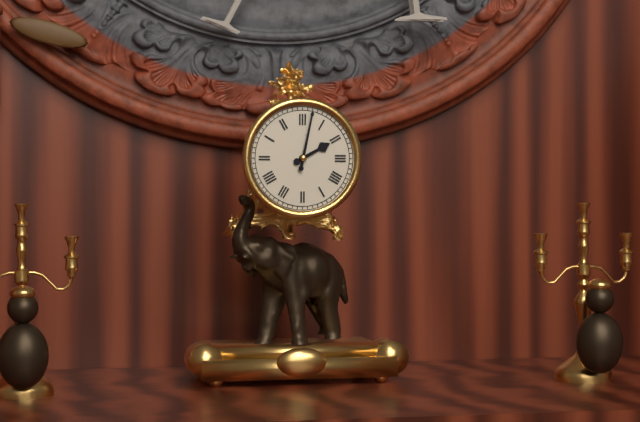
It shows {"hour": 2, "minute": 2}
